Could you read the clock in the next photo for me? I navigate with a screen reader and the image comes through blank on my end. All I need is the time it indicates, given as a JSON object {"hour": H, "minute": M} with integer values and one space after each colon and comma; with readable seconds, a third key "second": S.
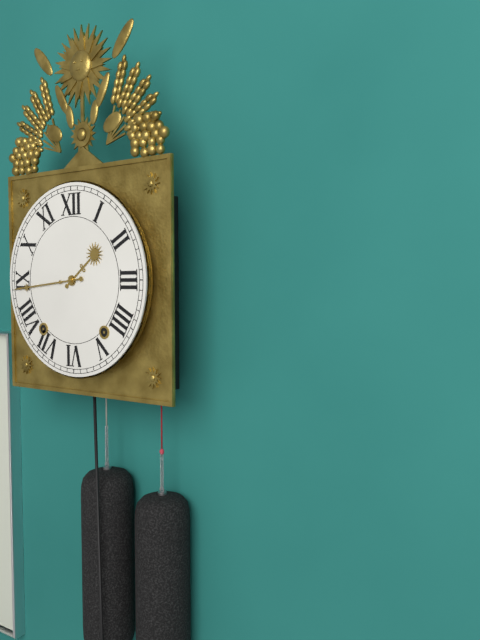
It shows {"hour": 1, "minute": 44}
